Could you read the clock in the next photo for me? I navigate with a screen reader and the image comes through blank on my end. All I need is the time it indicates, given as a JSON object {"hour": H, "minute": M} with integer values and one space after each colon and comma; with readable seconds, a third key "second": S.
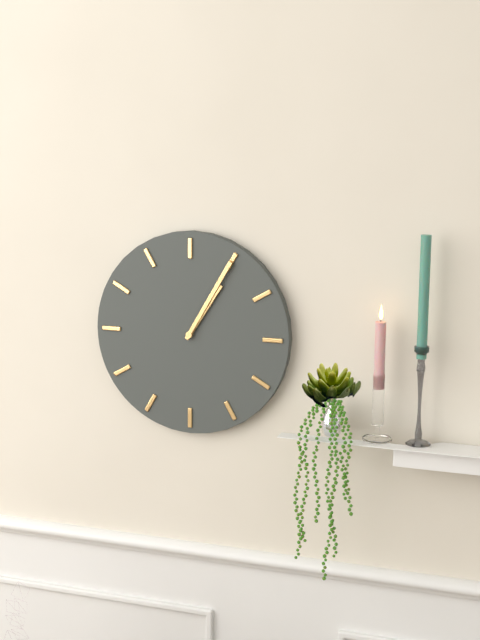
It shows {"hour": 1, "minute": 5}
